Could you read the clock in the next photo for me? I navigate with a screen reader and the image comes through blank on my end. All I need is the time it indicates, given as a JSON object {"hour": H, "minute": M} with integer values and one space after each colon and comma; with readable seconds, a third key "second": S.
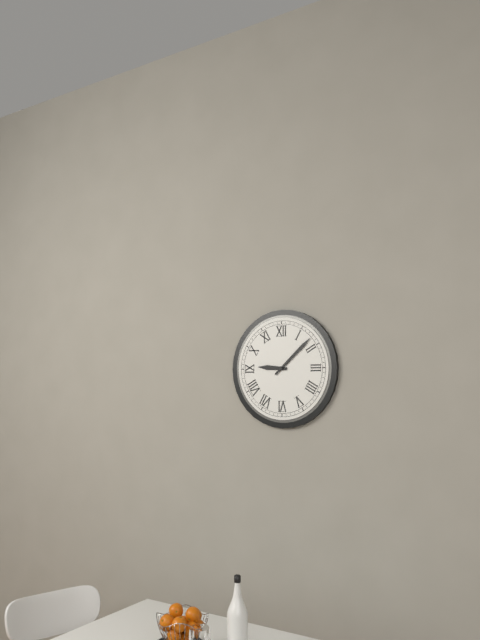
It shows {"hour": 9, "minute": 8}
